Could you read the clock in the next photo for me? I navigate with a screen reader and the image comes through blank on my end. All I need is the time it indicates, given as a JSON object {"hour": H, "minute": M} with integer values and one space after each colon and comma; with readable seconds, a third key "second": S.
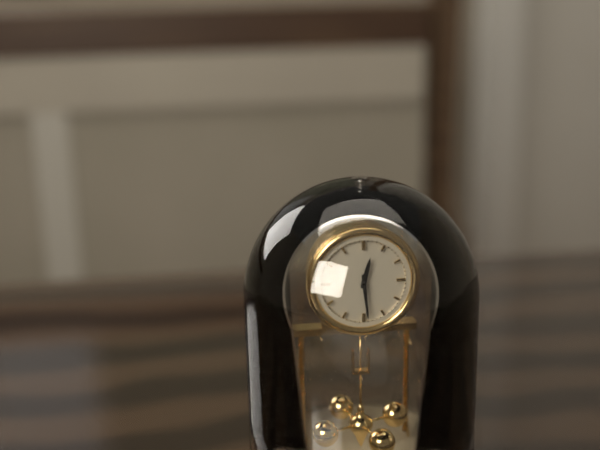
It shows {"hour": 12, "minute": 29}
